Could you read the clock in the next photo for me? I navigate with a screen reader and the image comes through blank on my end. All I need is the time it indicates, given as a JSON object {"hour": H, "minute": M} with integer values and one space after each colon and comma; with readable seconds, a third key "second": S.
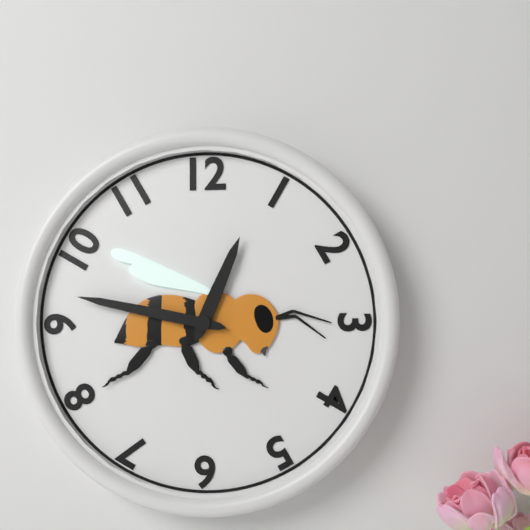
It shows {"hour": 12, "minute": 47}
